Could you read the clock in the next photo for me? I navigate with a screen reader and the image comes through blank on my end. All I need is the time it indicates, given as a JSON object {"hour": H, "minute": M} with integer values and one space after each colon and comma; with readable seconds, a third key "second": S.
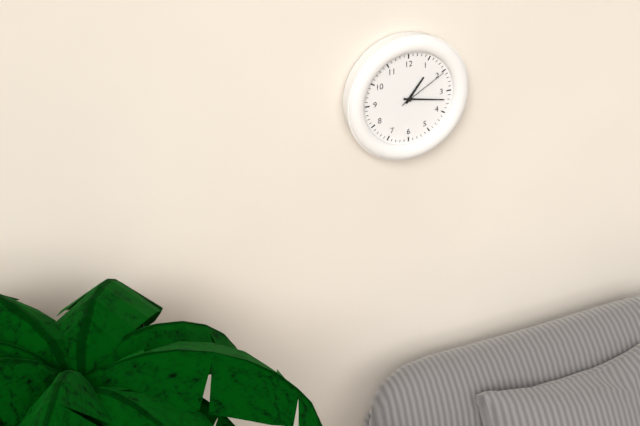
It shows {"hour": 1, "minute": 17, "second": 10}
